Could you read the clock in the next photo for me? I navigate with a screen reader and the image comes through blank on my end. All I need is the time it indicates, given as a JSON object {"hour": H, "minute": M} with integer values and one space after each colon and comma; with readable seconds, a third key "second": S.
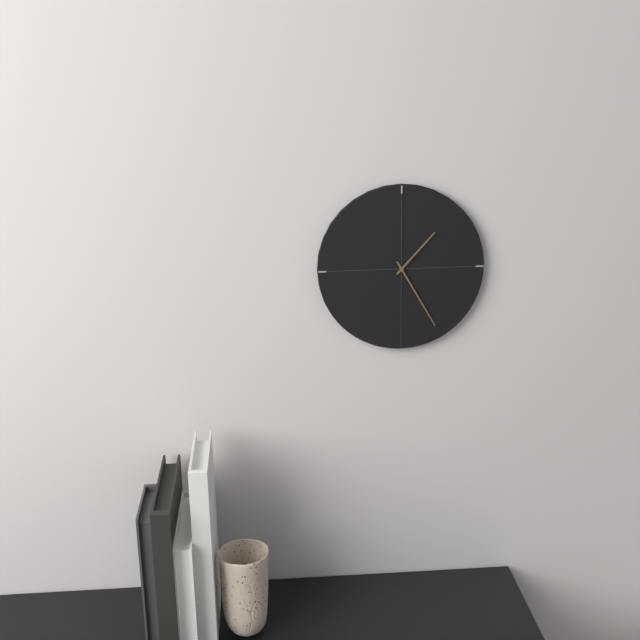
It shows {"hour": 1, "minute": 25}
